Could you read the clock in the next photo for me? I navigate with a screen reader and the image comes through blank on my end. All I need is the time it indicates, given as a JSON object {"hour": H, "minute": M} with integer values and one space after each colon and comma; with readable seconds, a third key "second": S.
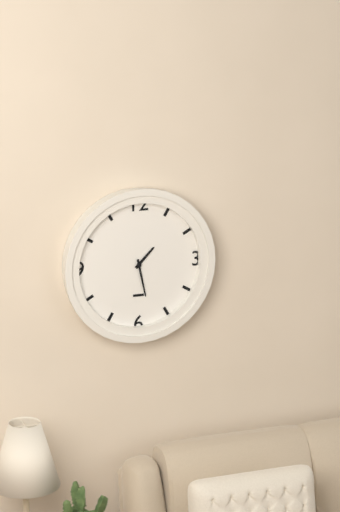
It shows {"hour": 1, "minute": 28}
